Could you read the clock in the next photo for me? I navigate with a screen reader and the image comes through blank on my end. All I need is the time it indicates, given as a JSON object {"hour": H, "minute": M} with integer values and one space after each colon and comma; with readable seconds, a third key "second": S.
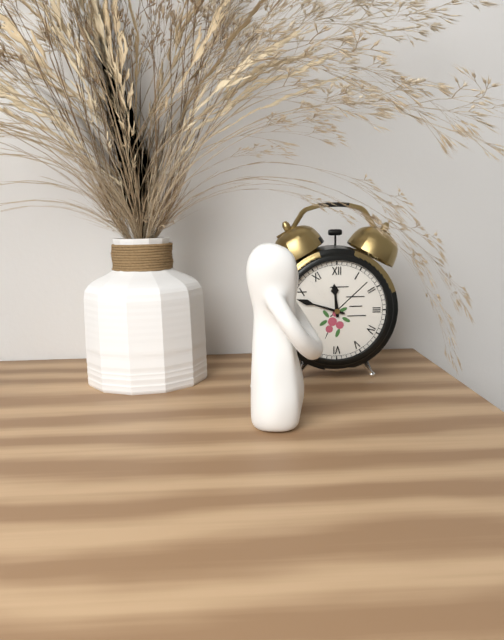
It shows {"hour": 11, "minute": 48}
